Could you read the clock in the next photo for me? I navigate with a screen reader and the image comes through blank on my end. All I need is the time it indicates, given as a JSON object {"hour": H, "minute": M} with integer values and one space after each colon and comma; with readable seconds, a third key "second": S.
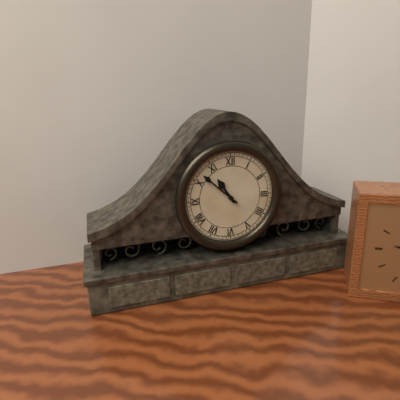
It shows {"hour": 10, "minute": 52}
